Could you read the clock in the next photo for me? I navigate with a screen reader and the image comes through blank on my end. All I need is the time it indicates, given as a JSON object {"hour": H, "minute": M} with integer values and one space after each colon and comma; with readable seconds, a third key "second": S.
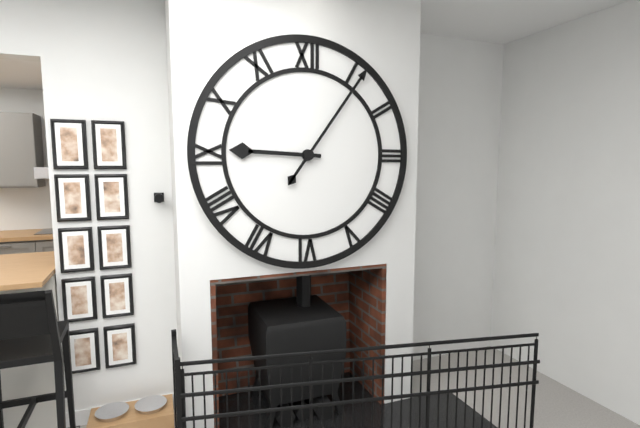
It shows {"hour": 9, "minute": 6}
